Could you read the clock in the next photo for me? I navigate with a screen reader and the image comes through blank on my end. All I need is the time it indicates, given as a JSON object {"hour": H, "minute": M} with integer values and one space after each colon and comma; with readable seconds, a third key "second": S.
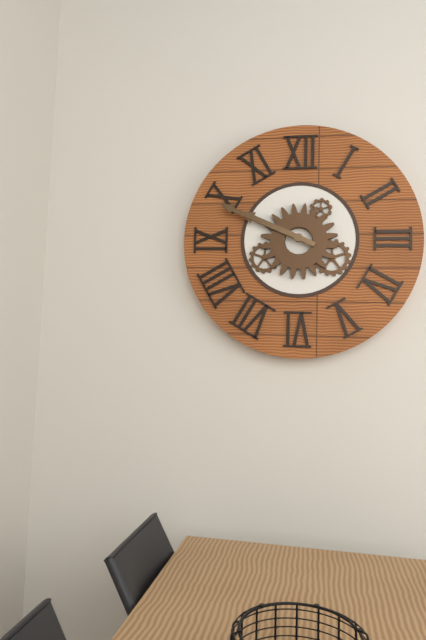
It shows {"hour": 9, "minute": 49}
